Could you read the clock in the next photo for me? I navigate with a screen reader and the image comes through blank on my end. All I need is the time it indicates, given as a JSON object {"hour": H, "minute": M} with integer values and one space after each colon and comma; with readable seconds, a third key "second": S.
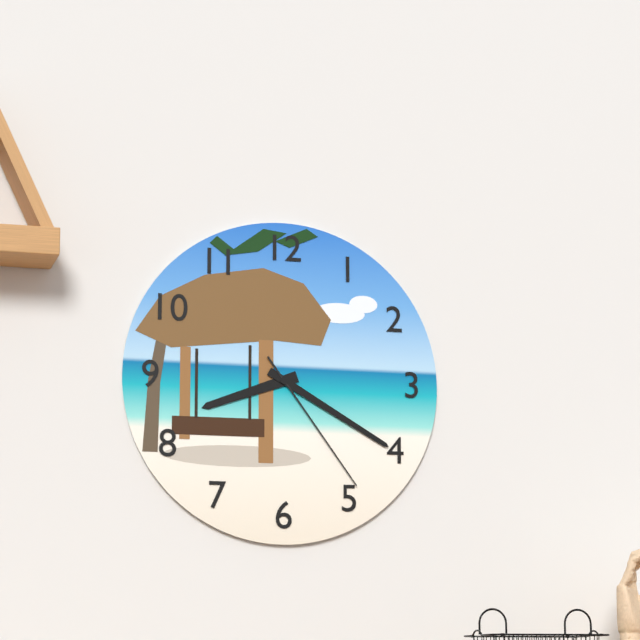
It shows {"hour": 8, "minute": 20, "second": 24}
